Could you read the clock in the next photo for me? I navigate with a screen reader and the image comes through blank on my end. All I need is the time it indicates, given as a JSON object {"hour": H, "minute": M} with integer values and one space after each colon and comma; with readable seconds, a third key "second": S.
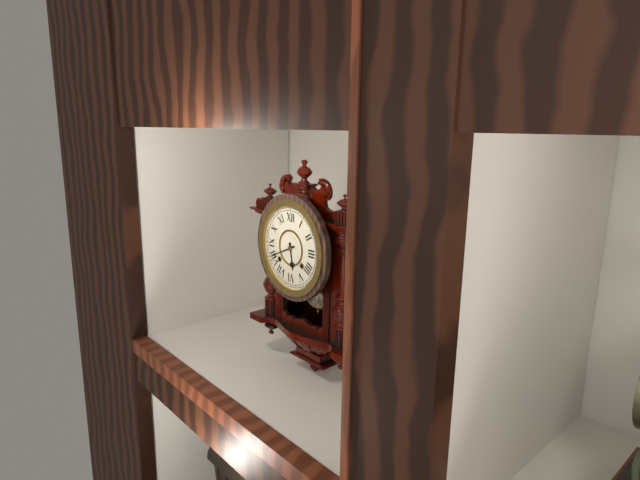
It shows {"hour": 5, "minute": 41}
